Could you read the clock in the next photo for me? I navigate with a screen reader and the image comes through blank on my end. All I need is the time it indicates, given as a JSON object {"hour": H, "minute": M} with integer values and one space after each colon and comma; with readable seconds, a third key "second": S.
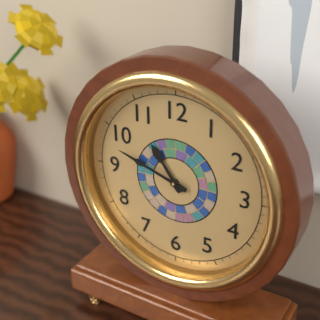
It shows {"hour": 10, "minute": 48}
